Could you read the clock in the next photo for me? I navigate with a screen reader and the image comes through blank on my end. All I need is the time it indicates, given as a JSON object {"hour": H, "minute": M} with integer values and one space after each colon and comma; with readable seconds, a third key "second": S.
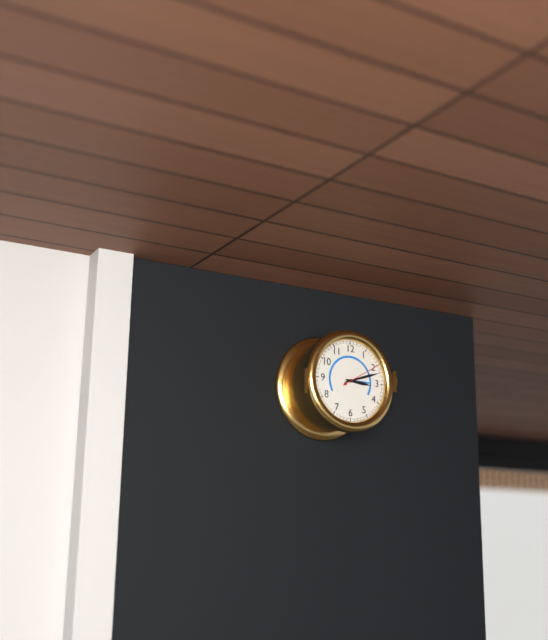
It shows {"hour": 3, "minute": 12}
